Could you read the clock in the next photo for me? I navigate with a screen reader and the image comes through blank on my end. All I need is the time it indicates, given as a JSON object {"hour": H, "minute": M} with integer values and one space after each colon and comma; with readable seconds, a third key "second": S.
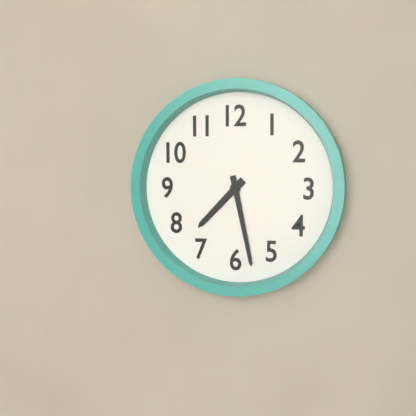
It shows {"hour": 7, "minute": 28}
